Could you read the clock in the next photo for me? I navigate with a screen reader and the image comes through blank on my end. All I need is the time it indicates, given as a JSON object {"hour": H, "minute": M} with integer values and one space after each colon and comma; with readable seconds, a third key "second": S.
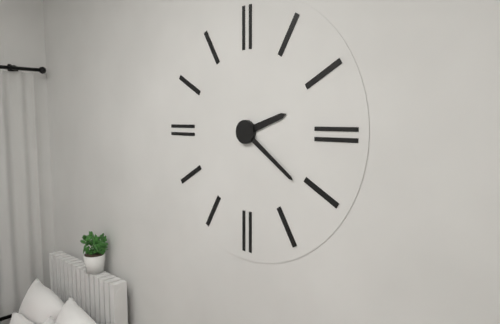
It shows {"hour": 2, "minute": 21}
